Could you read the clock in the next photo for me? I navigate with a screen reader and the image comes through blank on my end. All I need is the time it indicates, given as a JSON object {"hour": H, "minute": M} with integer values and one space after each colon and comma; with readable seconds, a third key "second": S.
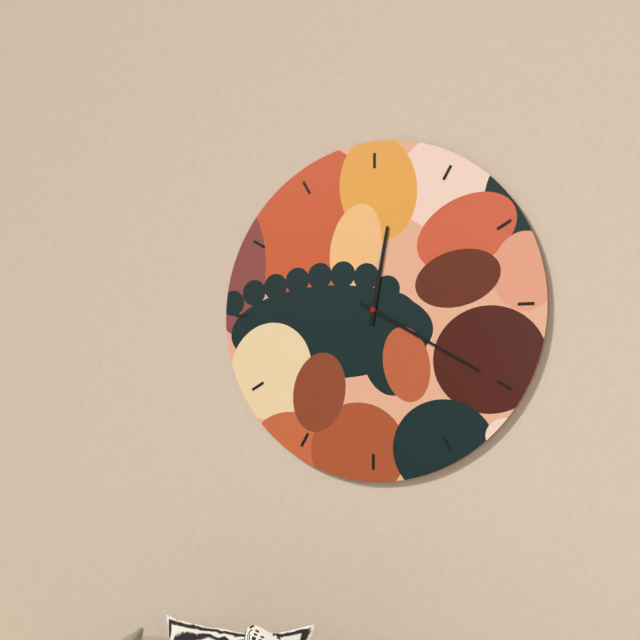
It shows {"hour": 12, "minute": 20}
